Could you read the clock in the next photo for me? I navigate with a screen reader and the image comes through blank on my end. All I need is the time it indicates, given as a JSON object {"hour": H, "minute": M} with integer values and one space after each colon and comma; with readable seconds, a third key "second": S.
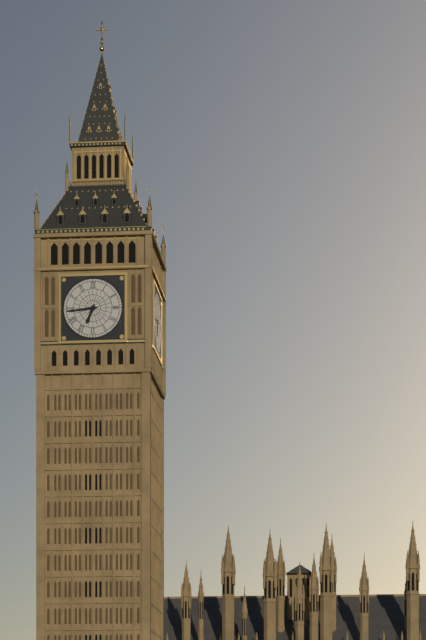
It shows {"hour": 6, "minute": 44}
